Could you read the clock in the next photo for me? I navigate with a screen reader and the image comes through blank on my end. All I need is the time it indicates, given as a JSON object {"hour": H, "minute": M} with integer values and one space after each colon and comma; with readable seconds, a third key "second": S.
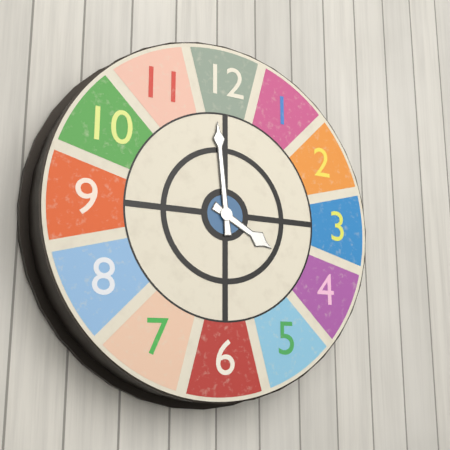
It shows {"hour": 3, "minute": 59}
